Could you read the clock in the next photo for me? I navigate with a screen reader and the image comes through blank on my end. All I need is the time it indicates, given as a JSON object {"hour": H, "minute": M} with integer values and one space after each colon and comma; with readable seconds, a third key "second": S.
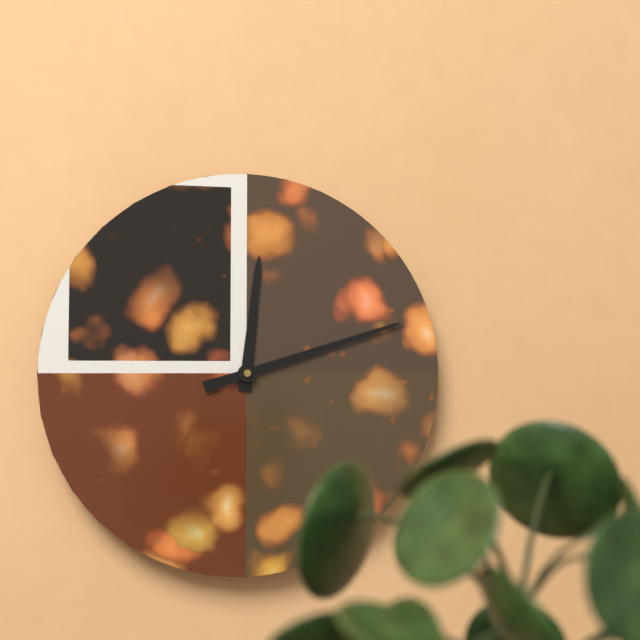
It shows {"hour": 12, "minute": 12}
